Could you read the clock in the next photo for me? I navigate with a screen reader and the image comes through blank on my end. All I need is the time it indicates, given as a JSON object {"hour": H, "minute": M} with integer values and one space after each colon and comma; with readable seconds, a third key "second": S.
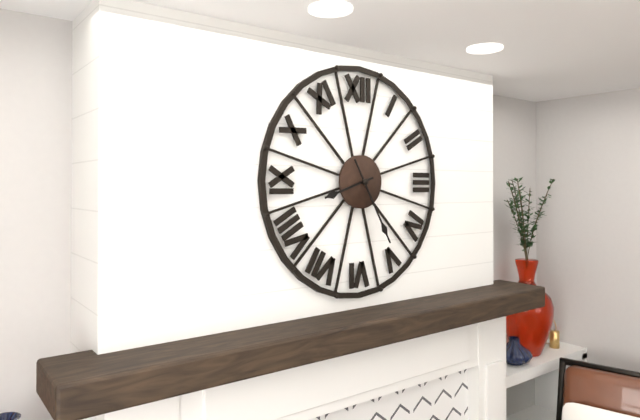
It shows {"hour": 8, "minute": 25}
